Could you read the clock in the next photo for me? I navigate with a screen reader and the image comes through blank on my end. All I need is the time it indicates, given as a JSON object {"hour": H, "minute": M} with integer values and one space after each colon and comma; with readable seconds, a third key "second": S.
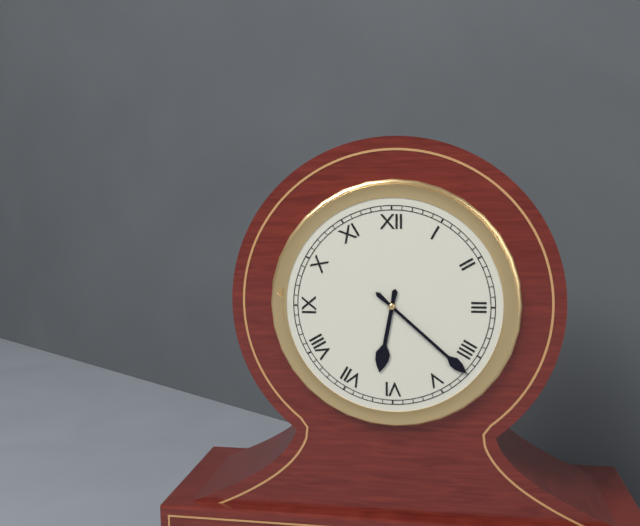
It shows {"hour": 6, "minute": 22}
